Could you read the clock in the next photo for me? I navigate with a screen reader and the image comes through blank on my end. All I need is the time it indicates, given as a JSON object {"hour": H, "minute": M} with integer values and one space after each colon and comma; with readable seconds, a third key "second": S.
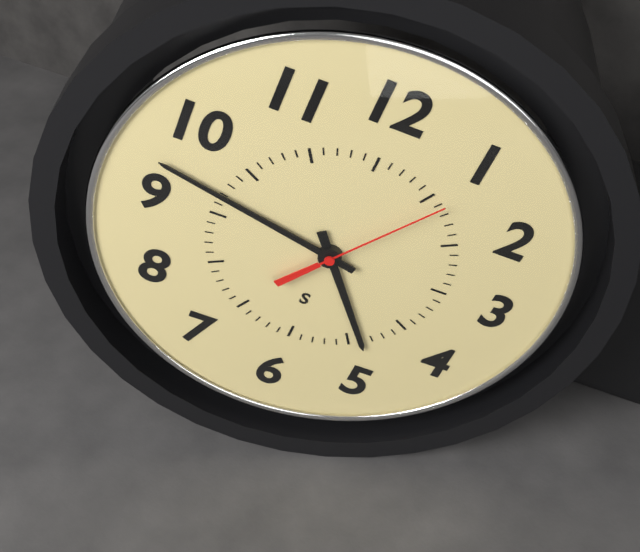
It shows {"hour": 4, "minute": 47, "second": 6}
